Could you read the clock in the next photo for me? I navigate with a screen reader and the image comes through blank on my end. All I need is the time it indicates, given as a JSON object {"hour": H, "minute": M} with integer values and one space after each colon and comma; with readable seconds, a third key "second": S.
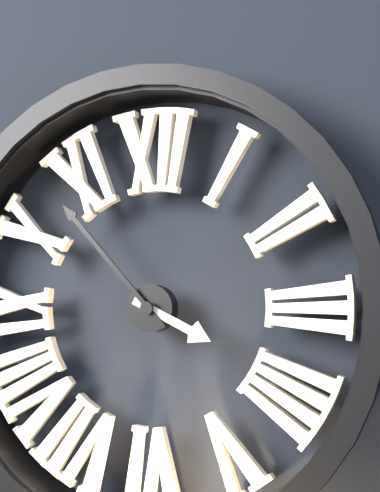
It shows {"hour": 3, "minute": 53}
